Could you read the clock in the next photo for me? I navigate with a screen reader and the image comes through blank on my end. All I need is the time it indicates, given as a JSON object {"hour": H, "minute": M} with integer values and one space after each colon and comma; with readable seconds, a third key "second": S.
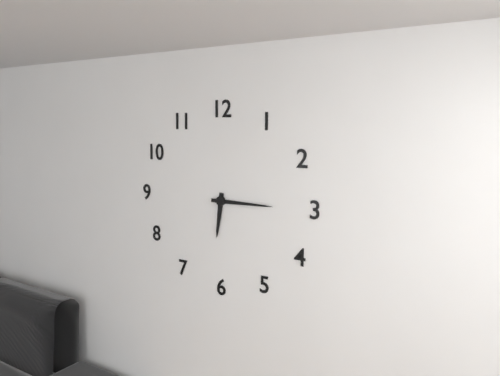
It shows {"hour": 6, "minute": 15}
